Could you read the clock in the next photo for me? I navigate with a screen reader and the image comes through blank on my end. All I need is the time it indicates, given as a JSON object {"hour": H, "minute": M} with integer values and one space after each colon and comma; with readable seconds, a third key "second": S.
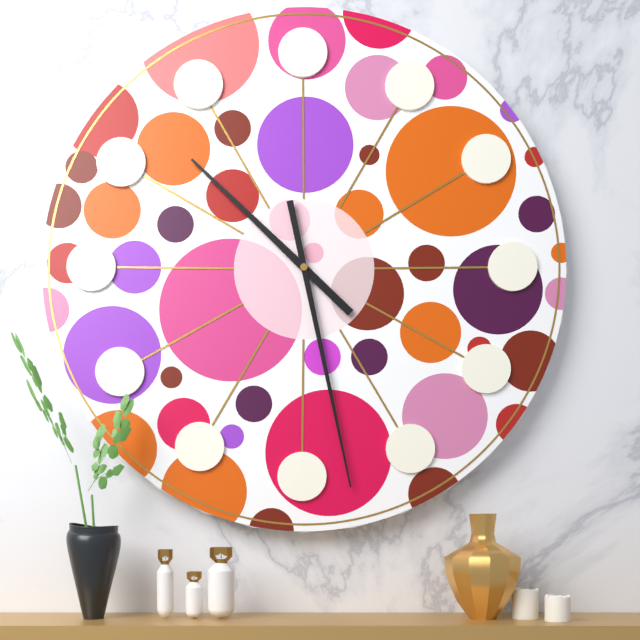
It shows {"hour": 10, "minute": 28}
